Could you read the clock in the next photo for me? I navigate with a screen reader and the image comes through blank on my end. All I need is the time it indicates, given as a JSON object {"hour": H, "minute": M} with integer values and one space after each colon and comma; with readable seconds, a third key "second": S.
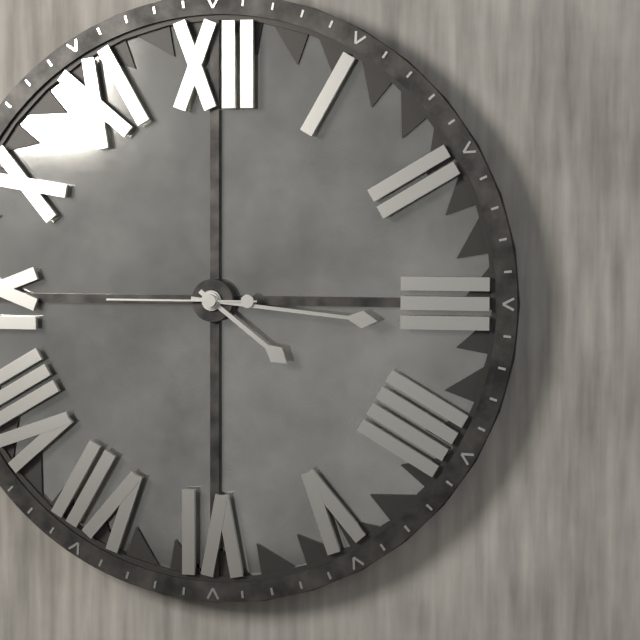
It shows {"hour": 4, "minute": 16, "second": 45}
